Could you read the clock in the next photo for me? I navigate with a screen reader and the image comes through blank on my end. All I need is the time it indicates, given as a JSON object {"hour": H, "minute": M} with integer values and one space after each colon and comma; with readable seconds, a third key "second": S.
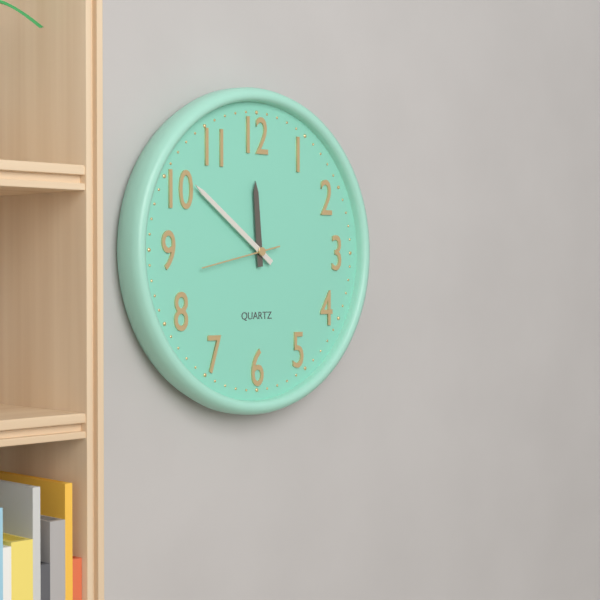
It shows {"hour": 11, "minute": 51, "second": 43}
